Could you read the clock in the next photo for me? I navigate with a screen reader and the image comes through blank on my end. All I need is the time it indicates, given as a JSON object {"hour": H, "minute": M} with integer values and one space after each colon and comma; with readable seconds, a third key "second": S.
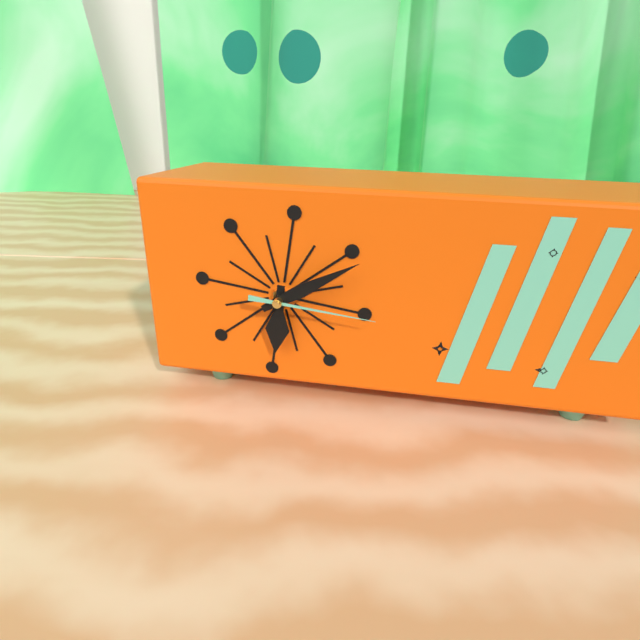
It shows {"hour": 6, "minute": 10, "second": 16}
